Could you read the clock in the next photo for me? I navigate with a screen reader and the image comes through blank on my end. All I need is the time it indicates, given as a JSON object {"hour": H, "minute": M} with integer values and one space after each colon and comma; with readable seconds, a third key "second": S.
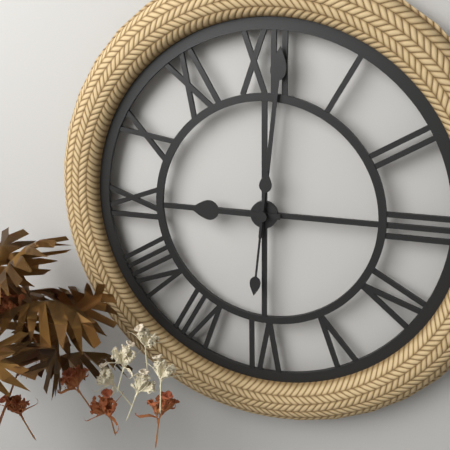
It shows {"hour": 9, "minute": 1, "second": 31}
